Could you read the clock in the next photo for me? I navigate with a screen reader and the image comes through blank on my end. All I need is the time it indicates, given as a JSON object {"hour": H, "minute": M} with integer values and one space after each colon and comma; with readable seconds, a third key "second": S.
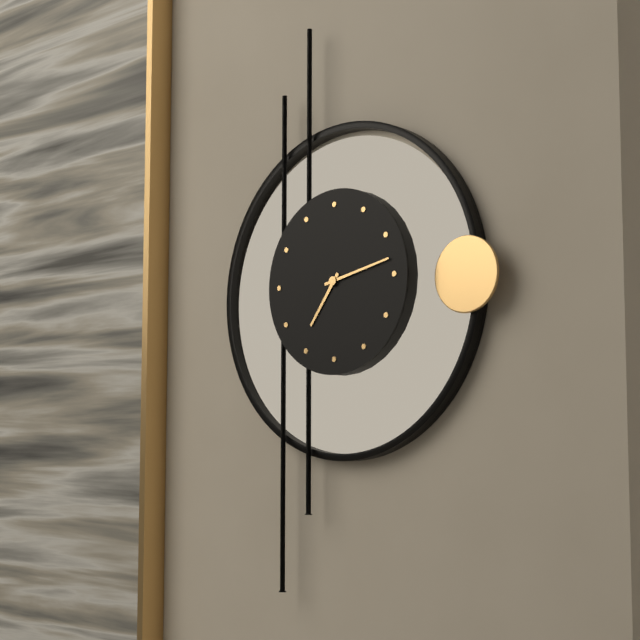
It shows {"hour": 7, "minute": 13}
